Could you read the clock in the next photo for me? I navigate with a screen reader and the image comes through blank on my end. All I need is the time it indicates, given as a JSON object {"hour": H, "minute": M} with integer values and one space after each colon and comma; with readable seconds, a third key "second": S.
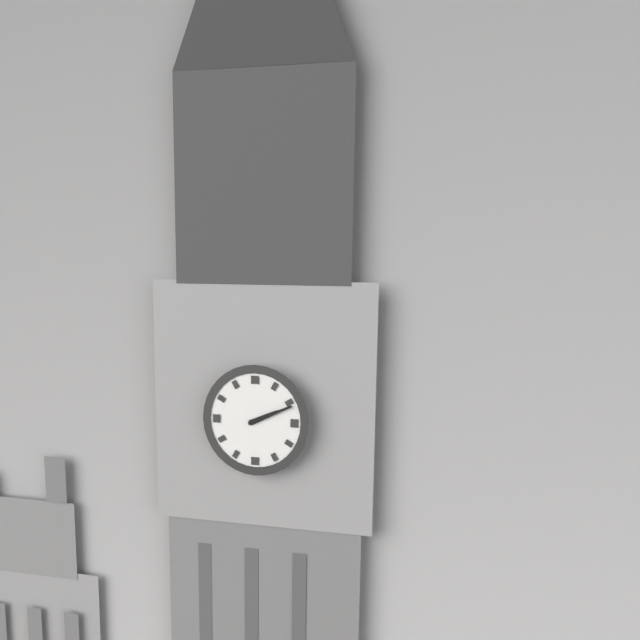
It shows {"hour": 2, "minute": 11}
